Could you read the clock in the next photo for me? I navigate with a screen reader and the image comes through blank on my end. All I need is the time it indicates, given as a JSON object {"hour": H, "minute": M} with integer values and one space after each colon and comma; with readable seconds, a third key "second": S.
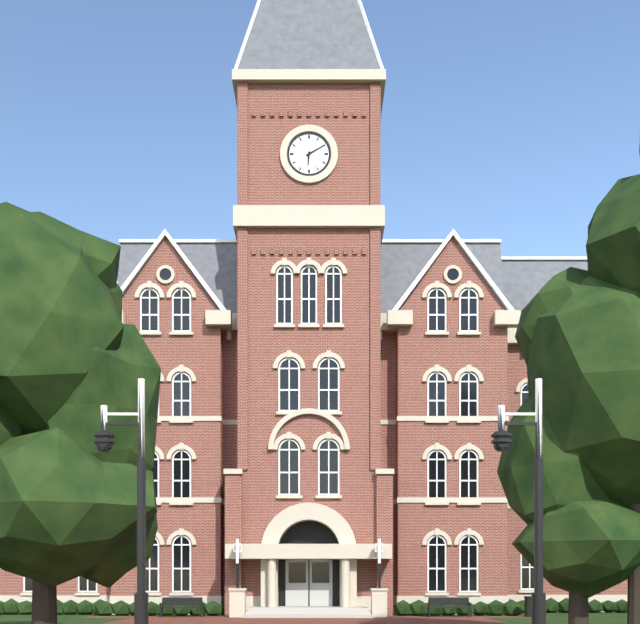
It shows {"hour": 6, "minute": 10}
